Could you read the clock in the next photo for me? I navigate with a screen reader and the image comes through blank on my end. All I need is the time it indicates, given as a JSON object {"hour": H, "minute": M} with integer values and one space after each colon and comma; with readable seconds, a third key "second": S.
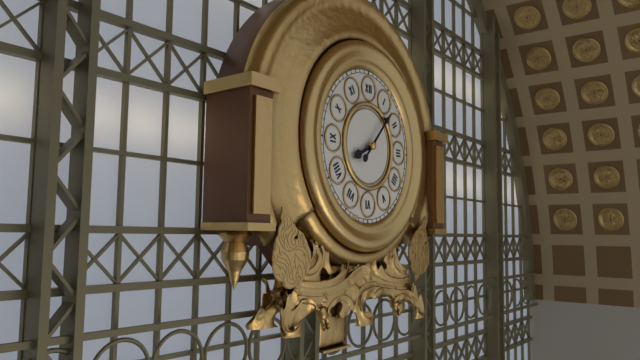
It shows {"hour": 8, "minute": 7}
